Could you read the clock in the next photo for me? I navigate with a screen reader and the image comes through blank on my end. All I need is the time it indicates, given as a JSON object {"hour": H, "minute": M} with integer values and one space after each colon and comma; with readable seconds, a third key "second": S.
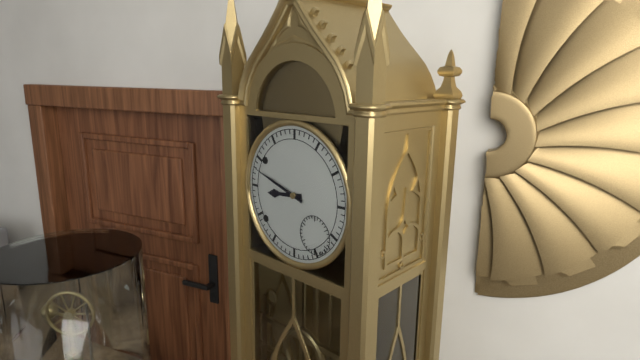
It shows {"hour": 8, "minute": 48}
